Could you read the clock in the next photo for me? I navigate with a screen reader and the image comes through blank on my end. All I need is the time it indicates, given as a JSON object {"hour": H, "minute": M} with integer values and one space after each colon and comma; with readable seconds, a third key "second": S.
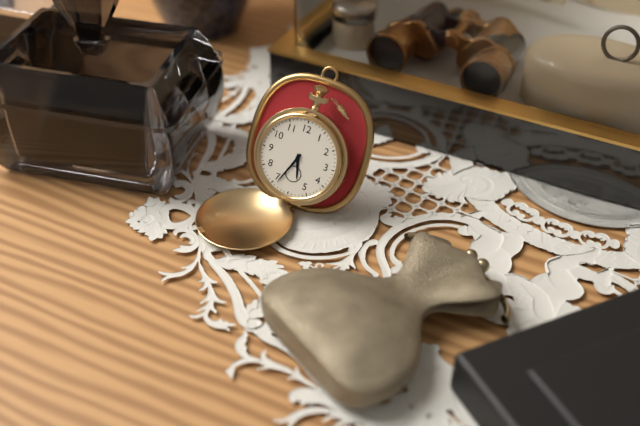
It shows {"hour": 5, "minute": 34}
